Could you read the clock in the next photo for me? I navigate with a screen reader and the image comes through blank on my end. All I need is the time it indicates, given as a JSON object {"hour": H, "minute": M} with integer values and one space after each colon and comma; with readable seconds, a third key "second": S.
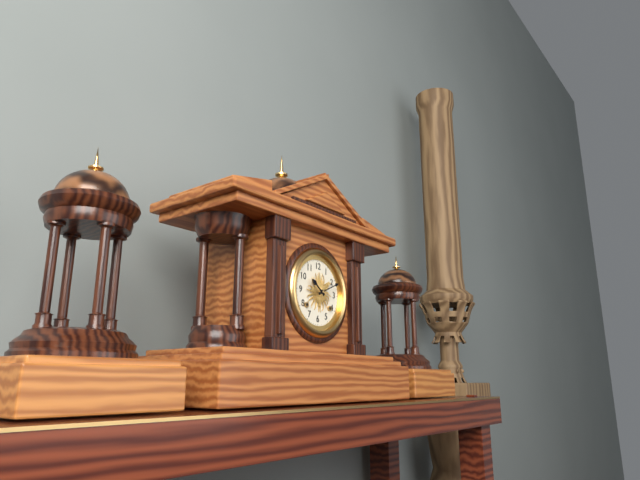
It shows {"hour": 10, "minute": 11}
